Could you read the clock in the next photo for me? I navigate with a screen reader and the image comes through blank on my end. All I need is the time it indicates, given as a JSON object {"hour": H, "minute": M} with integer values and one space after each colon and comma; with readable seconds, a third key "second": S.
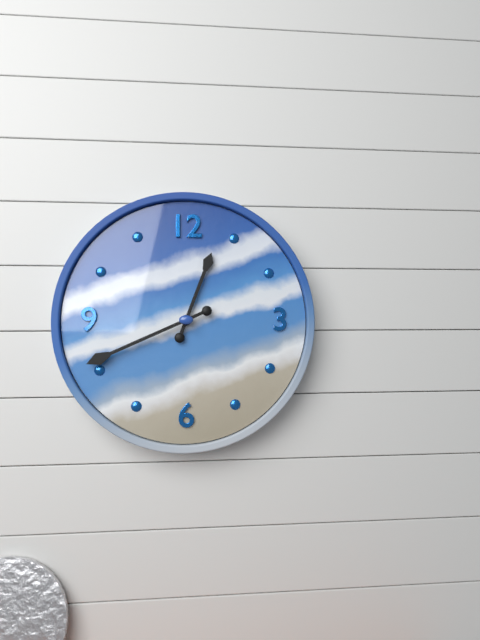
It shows {"hour": 12, "minute": 41}
